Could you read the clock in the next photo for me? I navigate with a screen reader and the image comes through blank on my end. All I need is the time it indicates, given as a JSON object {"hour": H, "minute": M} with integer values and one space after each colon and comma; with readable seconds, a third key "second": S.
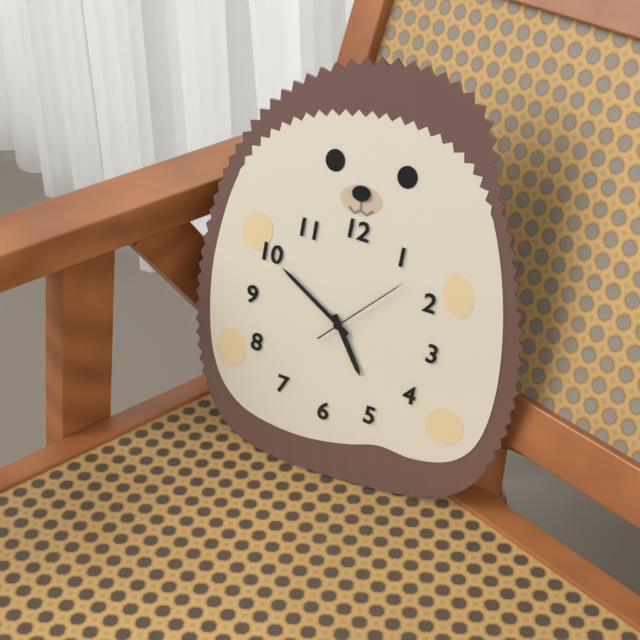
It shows {"hour": 4, "minute": 50, "second": 7}
